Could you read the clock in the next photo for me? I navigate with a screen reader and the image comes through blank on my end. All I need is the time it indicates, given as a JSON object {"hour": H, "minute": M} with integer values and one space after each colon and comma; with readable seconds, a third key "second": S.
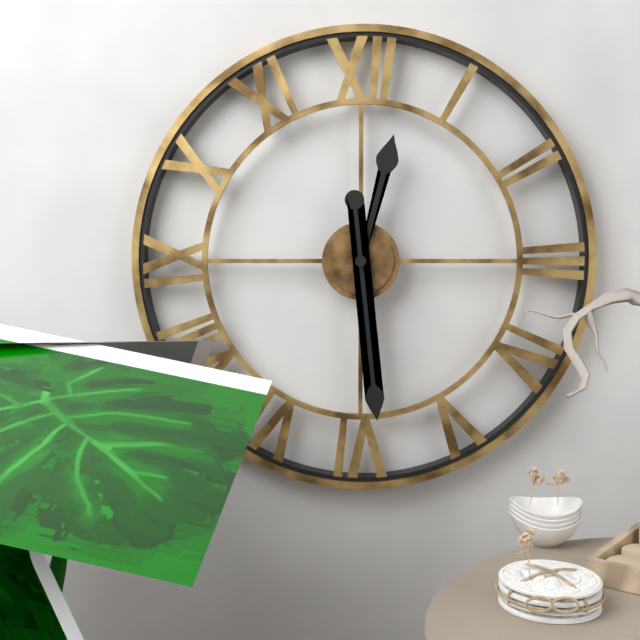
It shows {"hour": 12, "minute": 29}
